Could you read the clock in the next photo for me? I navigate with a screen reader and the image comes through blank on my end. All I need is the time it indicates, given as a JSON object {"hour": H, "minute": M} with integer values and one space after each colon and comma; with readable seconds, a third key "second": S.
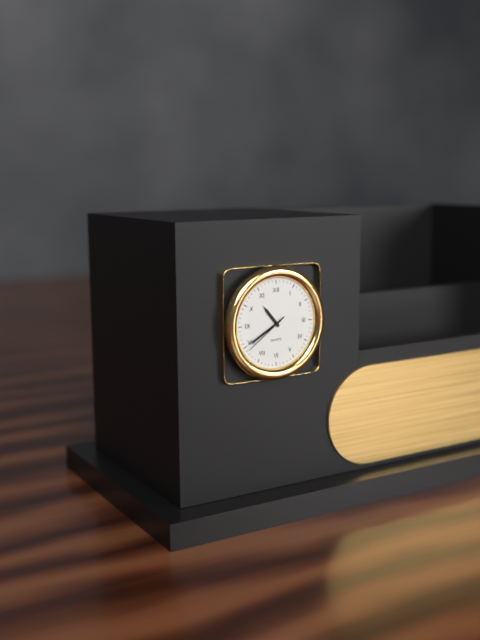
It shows {"hour": 10, "minute": 40}
